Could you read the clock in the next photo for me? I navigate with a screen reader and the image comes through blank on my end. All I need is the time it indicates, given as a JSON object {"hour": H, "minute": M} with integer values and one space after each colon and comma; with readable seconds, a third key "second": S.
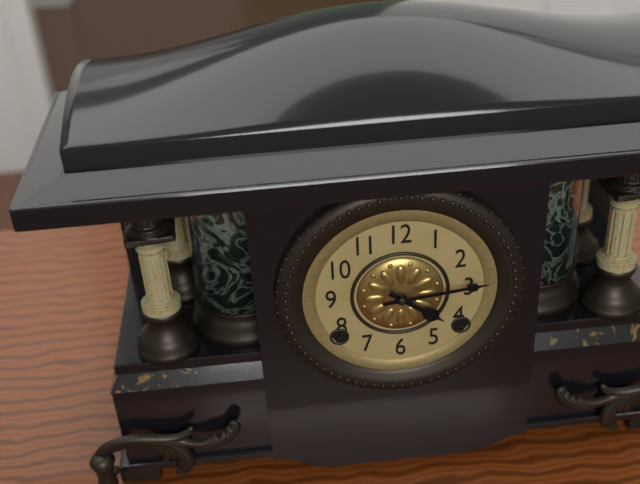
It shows {"hour": 4, "minute": 14}
